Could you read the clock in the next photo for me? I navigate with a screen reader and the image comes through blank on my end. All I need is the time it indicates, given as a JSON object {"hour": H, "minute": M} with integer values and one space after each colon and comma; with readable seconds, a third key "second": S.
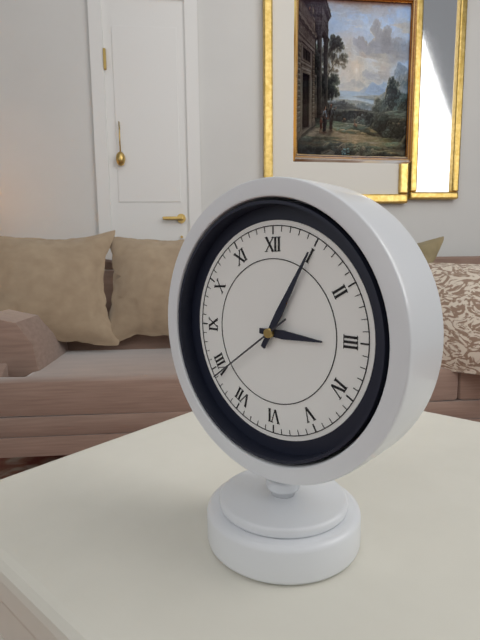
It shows {"hour": 3, "minute": 5, "second": 39}
